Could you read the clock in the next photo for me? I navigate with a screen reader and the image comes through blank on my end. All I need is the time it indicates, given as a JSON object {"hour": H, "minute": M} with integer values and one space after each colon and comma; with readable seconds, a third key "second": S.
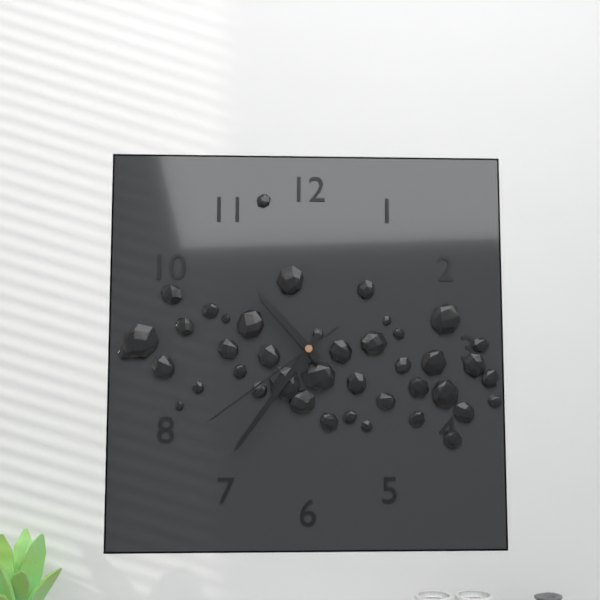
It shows {"hour": 10, "minute": 36, "second": 39}
